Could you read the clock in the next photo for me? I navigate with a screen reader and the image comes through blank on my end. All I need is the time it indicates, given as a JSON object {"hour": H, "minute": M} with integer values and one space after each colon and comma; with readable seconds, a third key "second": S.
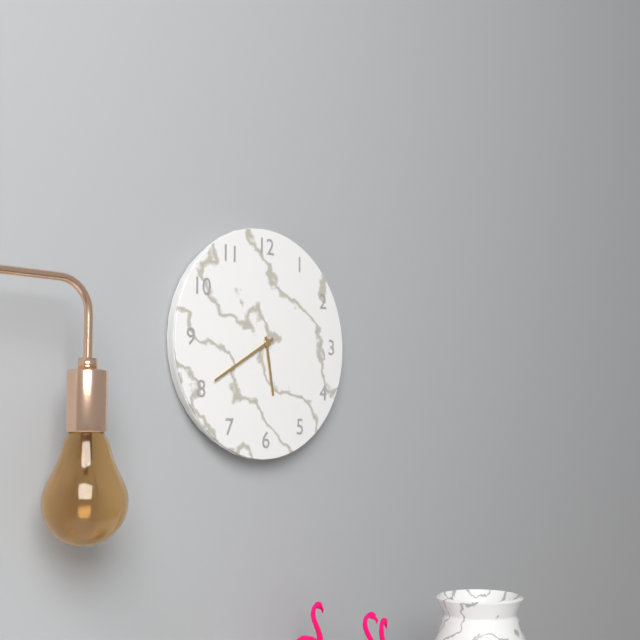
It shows {"hour": 5, "minute": 40}
